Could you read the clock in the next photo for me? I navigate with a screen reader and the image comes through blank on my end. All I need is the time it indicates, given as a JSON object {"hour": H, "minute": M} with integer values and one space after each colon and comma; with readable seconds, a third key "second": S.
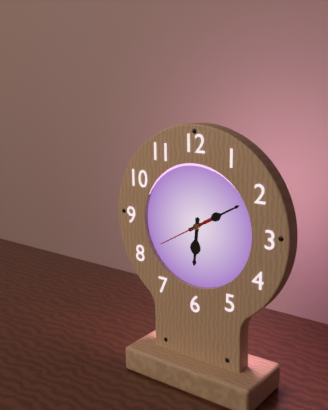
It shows {"hour": 6, "minute": 10, "second": 40}
